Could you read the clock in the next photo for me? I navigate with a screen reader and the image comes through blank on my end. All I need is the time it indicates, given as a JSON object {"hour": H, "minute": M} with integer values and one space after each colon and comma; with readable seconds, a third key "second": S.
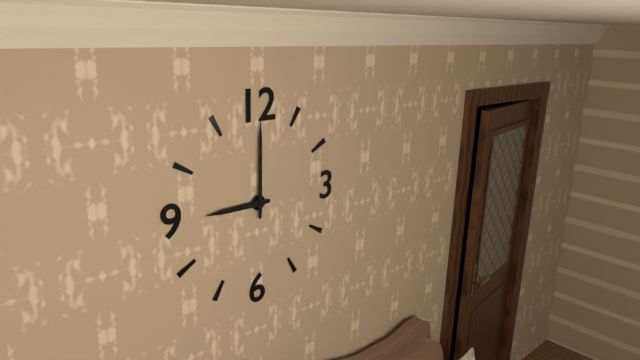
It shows {"hour": 9, "minute": 0}
